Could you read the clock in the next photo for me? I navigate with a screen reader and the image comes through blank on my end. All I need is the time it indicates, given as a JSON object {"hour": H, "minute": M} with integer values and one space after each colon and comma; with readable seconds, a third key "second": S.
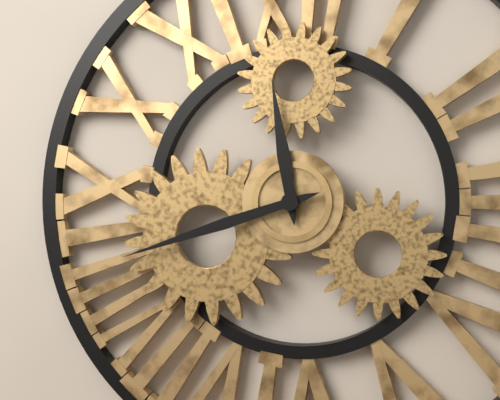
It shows {"hour": 11, "minute": 42}
